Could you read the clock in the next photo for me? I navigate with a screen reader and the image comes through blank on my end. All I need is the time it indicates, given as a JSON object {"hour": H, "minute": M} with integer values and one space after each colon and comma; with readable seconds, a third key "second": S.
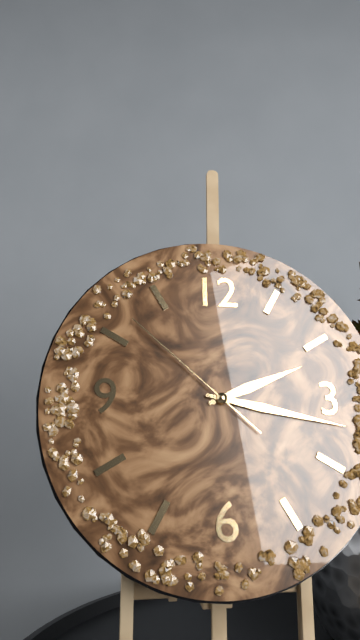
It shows {"hour": 2, "minute": 17, "second": 52}
